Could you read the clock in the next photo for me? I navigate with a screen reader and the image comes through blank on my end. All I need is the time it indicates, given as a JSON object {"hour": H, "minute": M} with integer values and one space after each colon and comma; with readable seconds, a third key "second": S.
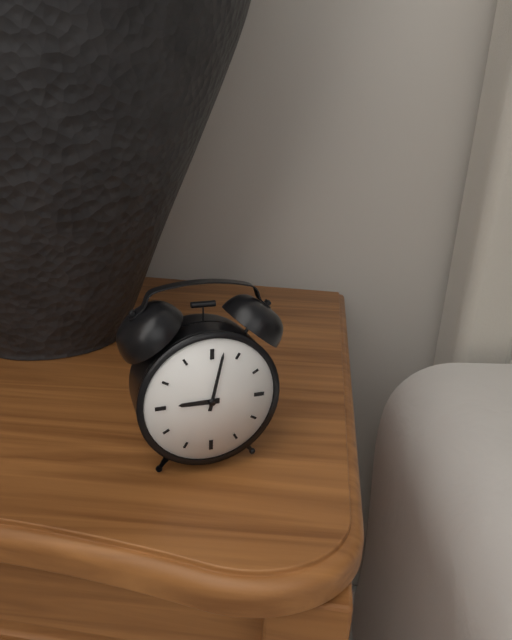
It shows {"hour": 9, "minute": 2}
